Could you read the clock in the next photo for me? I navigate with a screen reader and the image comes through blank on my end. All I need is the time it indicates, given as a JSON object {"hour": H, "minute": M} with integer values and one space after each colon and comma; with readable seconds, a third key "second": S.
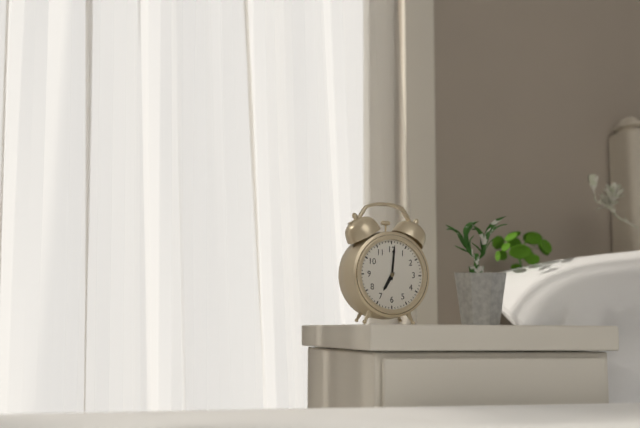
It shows {"hour": 7, "minute": 1}
